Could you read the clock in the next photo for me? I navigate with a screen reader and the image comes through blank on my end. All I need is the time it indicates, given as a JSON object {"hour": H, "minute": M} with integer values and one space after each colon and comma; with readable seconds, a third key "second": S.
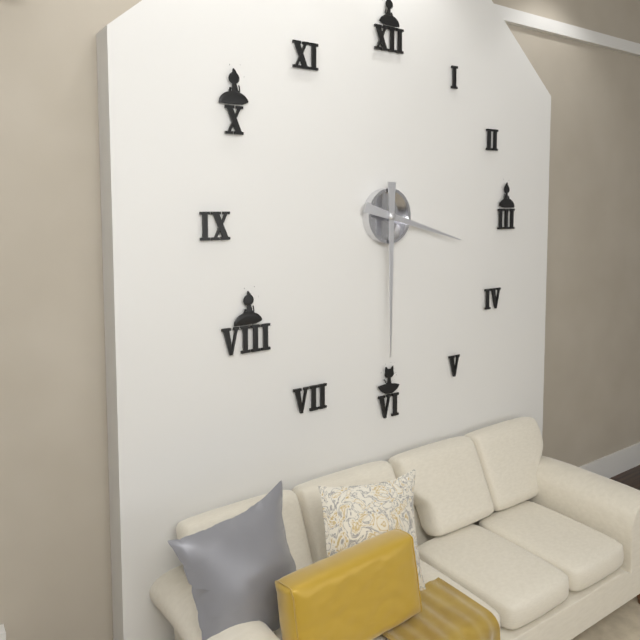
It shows {"hour": 3, "minute": 30}
